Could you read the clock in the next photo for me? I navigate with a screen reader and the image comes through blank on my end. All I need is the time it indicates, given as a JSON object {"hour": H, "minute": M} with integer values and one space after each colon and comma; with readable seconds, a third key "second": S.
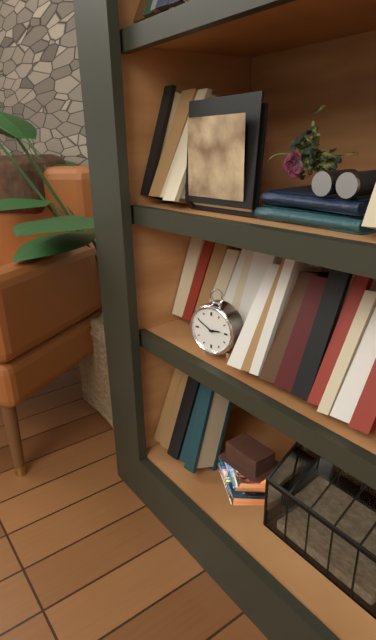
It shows {"hour": 2, "minute": 50}
